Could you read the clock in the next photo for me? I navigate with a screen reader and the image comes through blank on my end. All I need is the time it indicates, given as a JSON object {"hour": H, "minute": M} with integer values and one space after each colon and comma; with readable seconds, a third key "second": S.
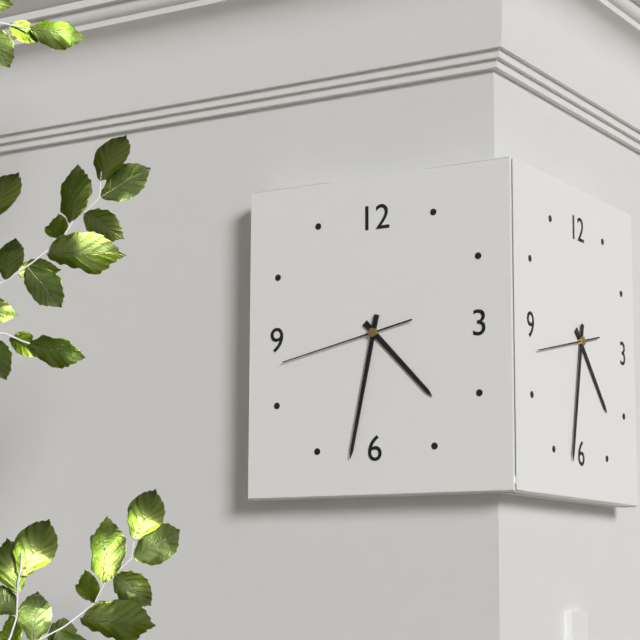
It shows {"hour": 4, "minute": 32, "second": 43}
